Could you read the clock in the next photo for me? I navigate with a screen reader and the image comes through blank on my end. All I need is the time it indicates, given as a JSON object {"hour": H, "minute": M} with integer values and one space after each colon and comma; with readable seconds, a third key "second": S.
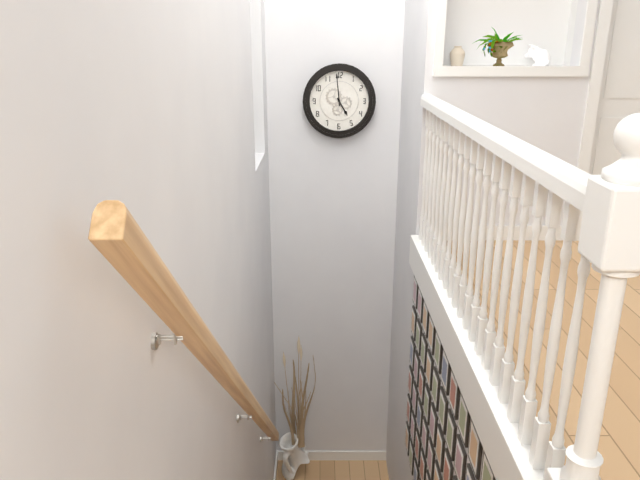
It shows {"hour": 4, "minute": 59}
